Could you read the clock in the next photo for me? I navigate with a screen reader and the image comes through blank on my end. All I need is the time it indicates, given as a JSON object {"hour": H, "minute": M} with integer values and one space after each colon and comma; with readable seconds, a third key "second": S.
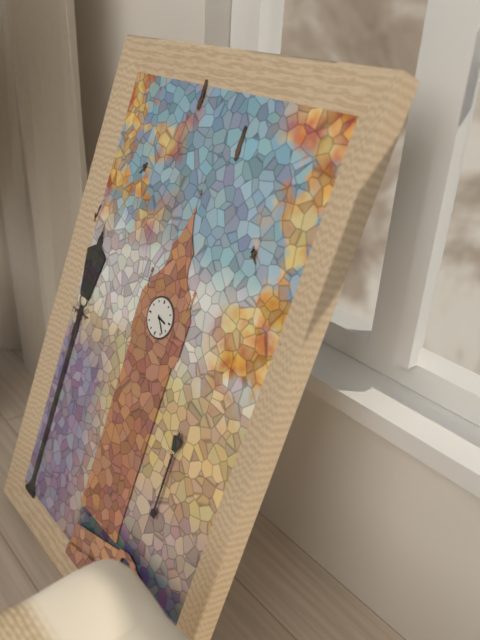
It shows {"hour": 3, "minute": 23}
